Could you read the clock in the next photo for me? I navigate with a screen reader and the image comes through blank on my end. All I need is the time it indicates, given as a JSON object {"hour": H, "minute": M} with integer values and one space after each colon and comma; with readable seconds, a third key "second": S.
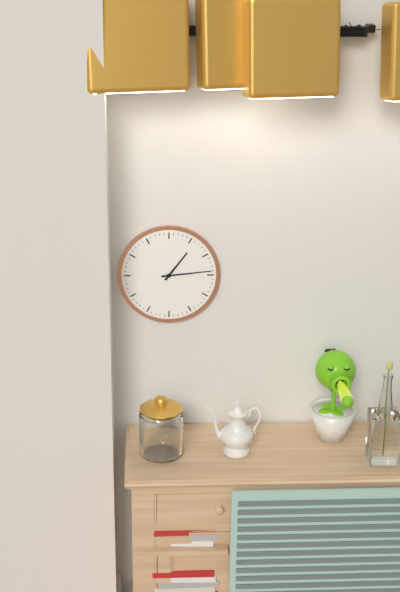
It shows {"hour": 1, "minute": 14}
